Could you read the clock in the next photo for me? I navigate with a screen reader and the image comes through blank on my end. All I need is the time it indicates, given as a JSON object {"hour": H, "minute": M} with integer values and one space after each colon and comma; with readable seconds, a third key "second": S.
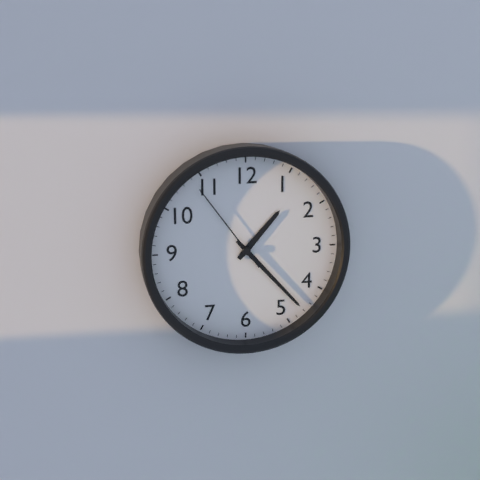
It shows {"hour": 1, "minute": 23, "second": 54}
